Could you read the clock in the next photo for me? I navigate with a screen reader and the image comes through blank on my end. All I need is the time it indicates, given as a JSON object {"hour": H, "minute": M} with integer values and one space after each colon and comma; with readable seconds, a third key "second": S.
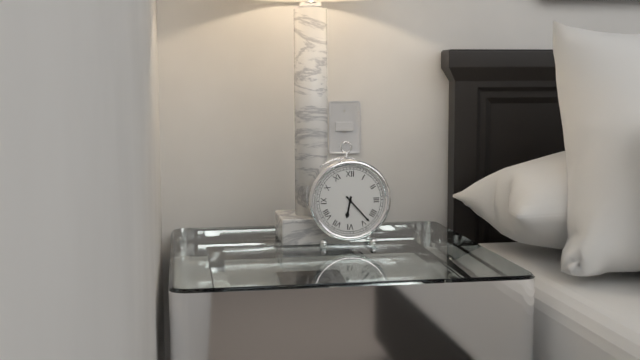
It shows {"hour": 6, "minute": 23}
